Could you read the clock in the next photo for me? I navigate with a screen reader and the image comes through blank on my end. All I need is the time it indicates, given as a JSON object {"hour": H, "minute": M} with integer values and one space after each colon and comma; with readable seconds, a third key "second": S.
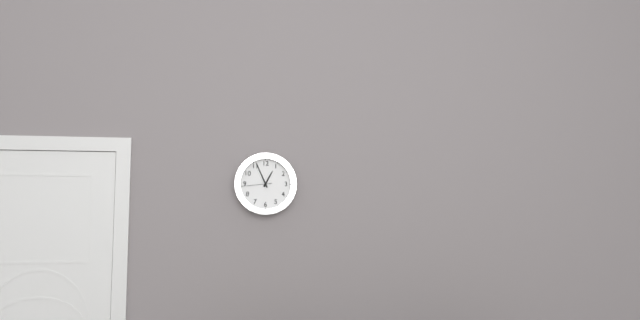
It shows {"hour": 12, "minute": 56}
